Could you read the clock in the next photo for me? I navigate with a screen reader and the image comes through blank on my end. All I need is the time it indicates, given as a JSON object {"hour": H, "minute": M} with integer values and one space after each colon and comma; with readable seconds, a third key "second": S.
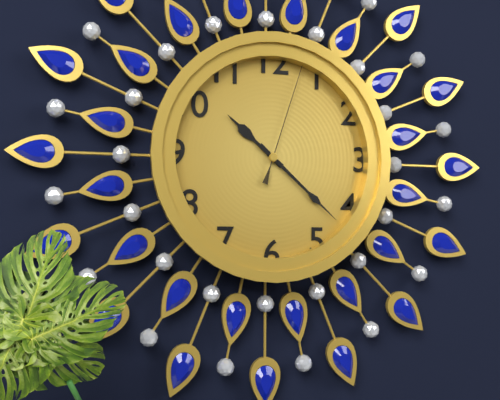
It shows {"hour": 10, "minute": 22, "second": 3}
